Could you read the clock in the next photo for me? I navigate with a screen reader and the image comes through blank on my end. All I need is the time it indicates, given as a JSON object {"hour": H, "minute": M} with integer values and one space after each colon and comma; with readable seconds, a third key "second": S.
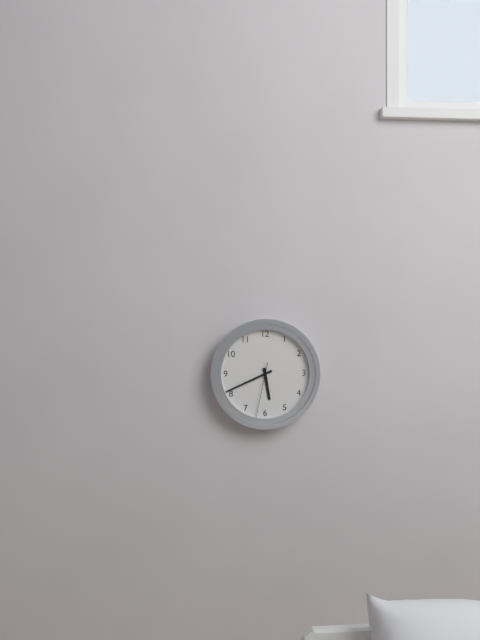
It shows {"hour": 5, "minute": 41, "second": 32}
